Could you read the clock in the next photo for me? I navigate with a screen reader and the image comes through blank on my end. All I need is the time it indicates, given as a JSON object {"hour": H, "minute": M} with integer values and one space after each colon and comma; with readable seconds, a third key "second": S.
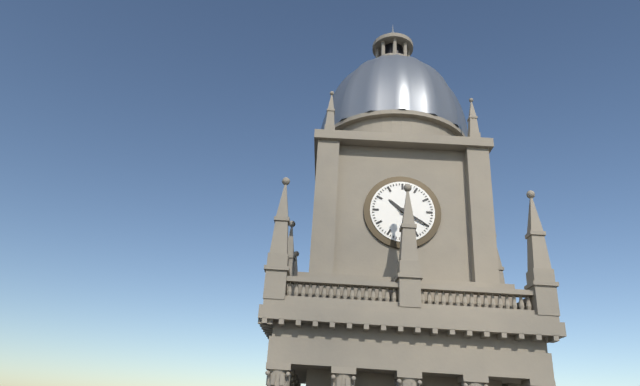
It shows {"hour": 10, "minute": 20}
